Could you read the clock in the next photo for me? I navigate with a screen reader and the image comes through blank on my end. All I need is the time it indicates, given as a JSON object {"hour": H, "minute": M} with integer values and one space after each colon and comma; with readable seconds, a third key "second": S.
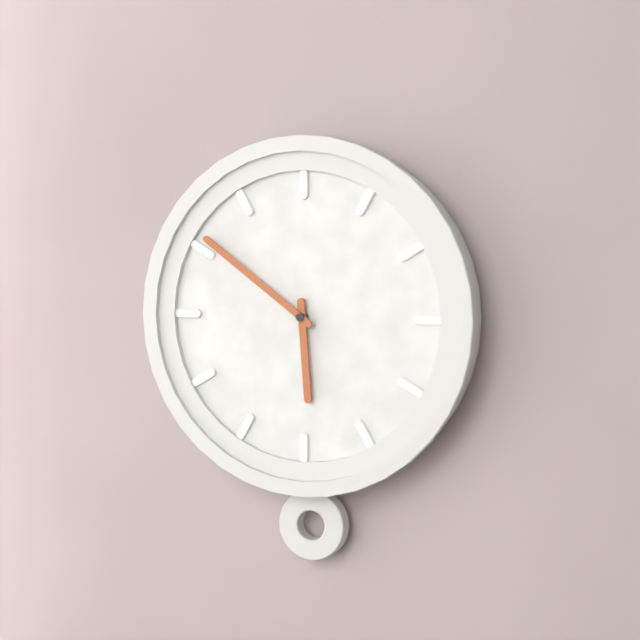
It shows {"hour": 5, "minute": 51}
